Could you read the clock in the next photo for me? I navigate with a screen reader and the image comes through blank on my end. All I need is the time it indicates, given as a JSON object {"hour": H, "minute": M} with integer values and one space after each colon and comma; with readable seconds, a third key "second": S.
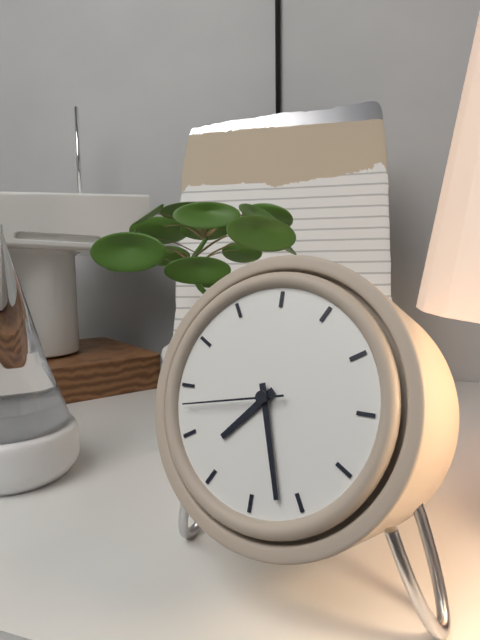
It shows {"hour": 7, "minute": 27, "second": 43}
